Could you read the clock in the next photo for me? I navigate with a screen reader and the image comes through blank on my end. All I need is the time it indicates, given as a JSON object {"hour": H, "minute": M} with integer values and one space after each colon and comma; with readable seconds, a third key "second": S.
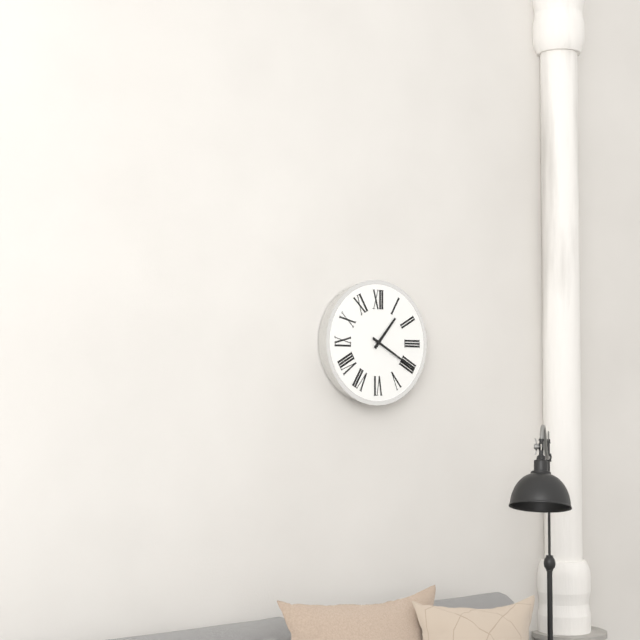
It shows {"hour": 1, "minute": 20}
